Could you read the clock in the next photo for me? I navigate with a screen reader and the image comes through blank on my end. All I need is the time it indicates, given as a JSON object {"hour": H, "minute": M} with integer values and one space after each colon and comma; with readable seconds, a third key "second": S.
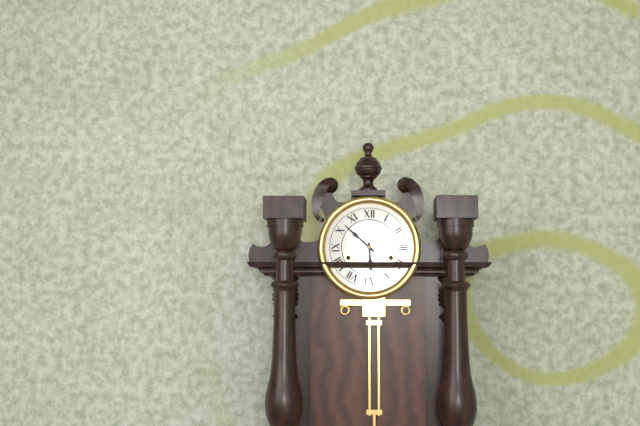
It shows {"hour": 5, "minute": 52}
